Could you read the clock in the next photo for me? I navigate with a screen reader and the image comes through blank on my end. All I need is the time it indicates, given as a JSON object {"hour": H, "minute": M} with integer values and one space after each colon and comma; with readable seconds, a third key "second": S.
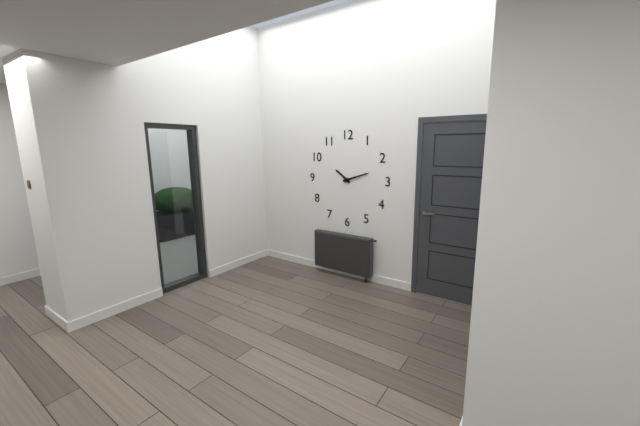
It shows {"hour": 10, "minute": 12}
